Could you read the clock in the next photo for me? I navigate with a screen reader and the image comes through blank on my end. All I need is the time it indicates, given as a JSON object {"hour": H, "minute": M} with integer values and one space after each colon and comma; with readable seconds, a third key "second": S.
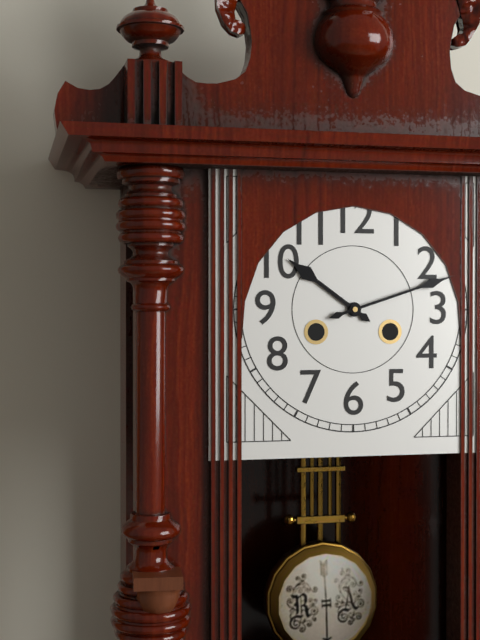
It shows {"hour": 10, "minute": 12}
